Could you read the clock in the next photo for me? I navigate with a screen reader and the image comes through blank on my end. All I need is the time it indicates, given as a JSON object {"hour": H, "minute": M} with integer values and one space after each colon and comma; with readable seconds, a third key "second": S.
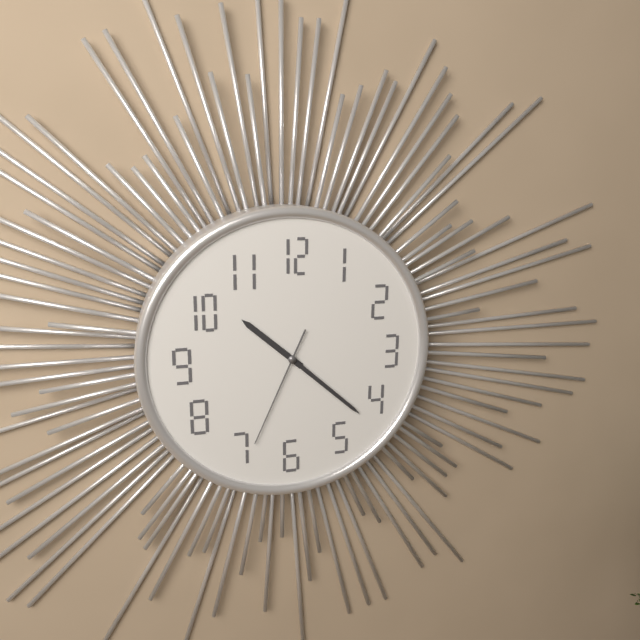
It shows {"hour": 10, "minute": 22, "second": 34}
